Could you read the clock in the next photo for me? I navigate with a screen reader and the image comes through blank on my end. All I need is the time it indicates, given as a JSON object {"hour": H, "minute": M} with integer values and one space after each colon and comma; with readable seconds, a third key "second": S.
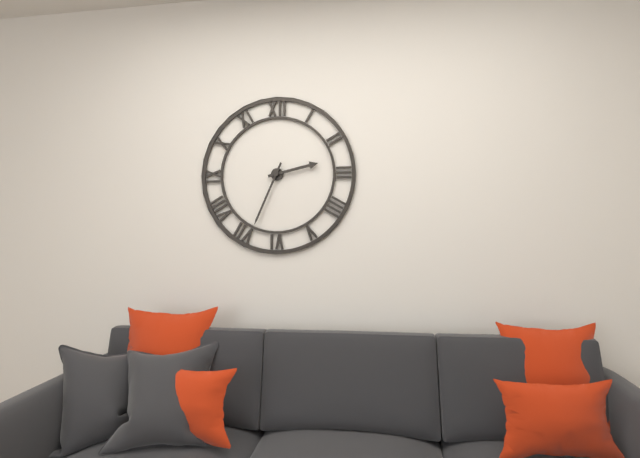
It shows {"hour": 2, "minute": 34}
